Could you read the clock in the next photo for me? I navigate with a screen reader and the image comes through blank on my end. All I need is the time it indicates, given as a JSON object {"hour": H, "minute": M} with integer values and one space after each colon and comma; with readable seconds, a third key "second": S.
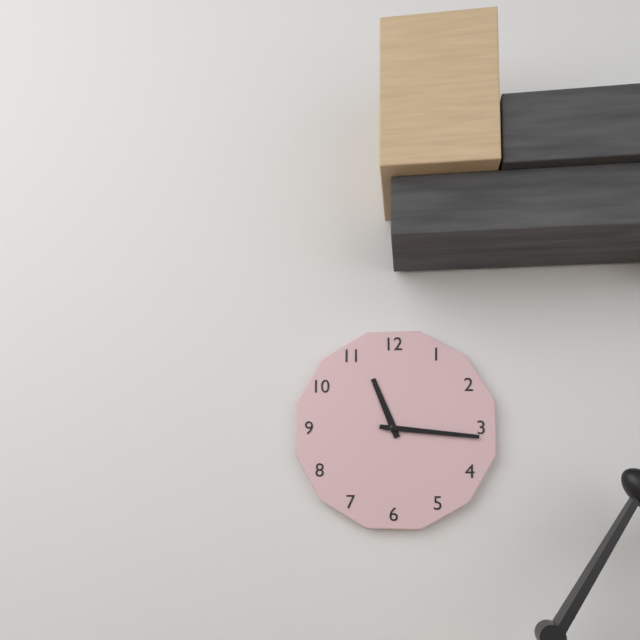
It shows {"hour": 11, "minute": 16}
